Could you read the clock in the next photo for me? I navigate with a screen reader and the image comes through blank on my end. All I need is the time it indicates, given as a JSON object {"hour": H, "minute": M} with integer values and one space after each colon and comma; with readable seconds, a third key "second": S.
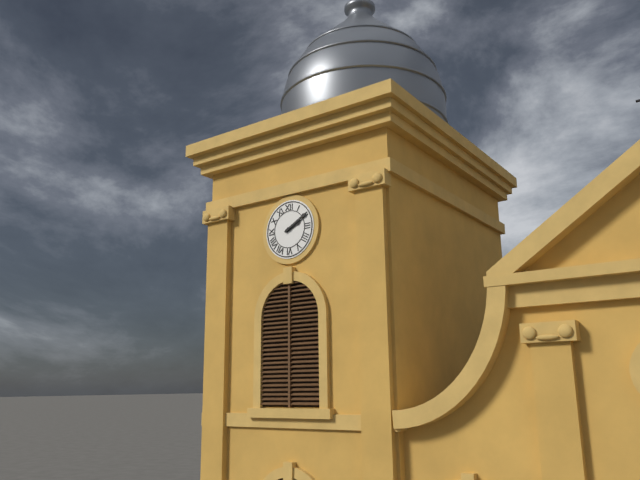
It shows {"hour": 2, "minute": 10}
